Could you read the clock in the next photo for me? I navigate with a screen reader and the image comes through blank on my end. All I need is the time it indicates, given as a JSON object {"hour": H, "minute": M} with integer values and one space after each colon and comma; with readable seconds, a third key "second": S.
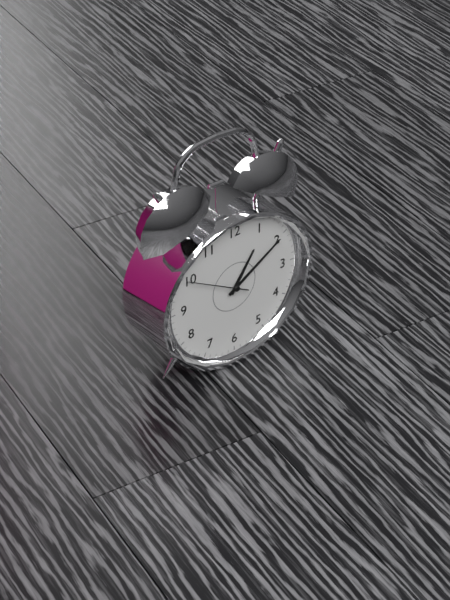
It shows {"hour": 1, "minute": 10, "second": 50}
